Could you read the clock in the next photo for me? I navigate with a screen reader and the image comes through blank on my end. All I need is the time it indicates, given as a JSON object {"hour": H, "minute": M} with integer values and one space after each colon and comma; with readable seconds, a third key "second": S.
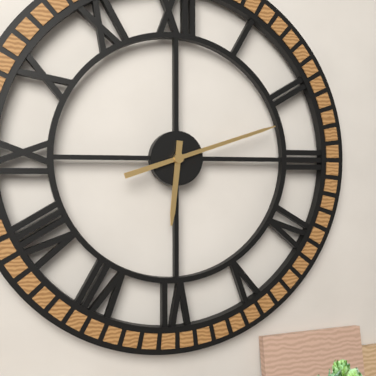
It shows {"hour": 6, "minute": 12}
